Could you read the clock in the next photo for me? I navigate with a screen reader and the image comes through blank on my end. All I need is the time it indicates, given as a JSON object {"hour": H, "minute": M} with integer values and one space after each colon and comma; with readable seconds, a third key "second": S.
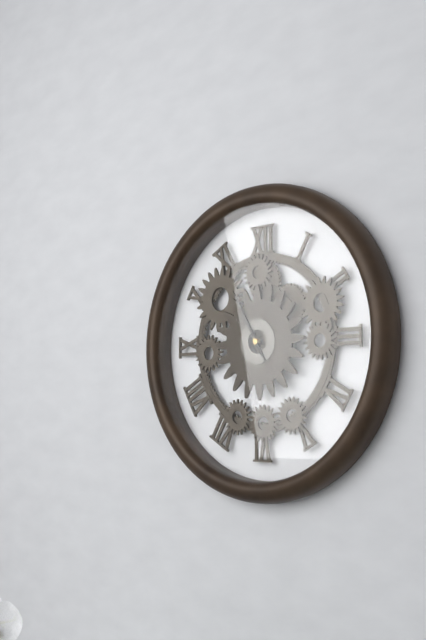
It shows {"hour": 10, "minute": 55}
